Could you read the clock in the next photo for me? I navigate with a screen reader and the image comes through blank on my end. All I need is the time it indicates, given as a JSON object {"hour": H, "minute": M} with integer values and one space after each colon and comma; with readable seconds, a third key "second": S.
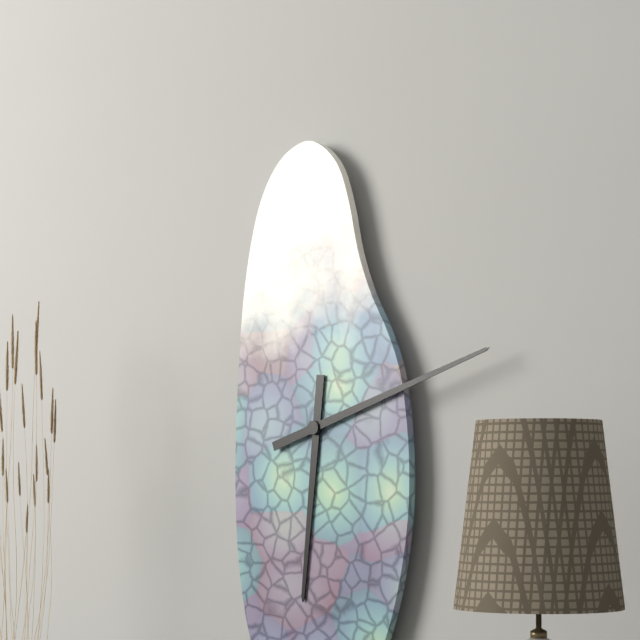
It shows {"hour": 6, "minute": 12}
